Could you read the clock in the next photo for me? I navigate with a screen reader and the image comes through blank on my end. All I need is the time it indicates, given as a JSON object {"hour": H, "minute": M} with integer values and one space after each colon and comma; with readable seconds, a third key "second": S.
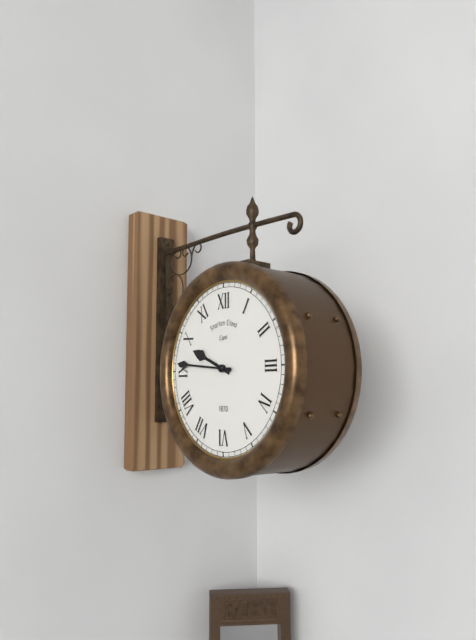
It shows {"hour": 9, "minute": 46}
